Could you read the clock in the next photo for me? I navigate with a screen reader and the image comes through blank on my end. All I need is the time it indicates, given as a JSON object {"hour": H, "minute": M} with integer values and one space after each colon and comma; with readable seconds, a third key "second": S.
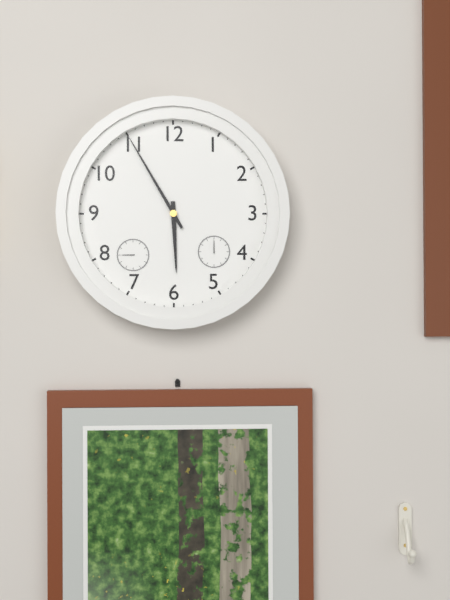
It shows {"hour": 5, "minute": 55}
